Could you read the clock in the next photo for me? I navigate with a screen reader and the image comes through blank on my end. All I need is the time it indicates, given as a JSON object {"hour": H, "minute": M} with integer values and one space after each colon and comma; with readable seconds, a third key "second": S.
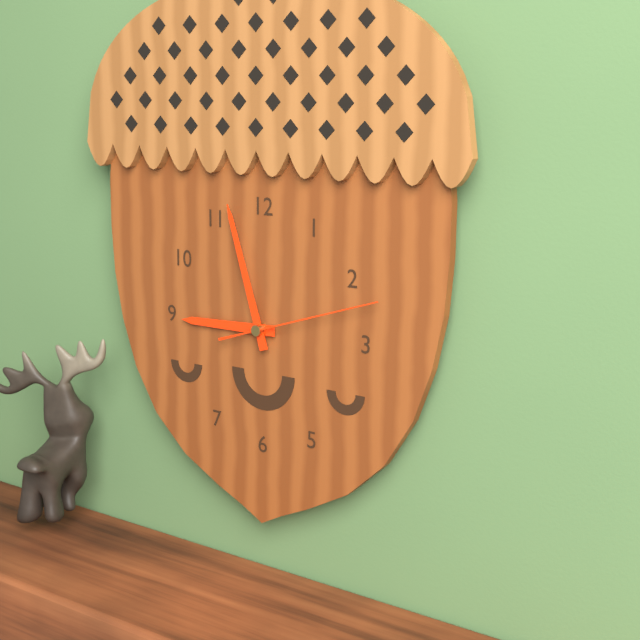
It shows {"hour": 8, "minute": 57, "second": 12}
